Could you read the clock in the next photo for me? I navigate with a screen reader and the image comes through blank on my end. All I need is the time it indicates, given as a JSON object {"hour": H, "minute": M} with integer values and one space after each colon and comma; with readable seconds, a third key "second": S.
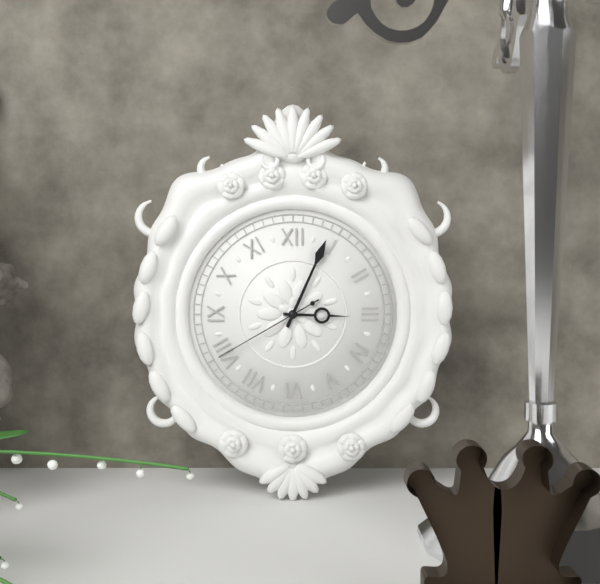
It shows {"hour": 3, "minute": 4, "second": 40}
